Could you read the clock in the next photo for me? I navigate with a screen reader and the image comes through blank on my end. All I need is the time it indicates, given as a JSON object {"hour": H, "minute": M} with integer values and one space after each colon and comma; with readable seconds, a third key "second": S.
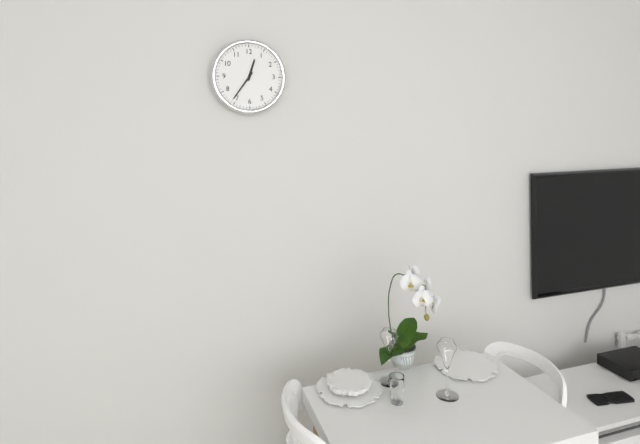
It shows {"hour": 12, "minute": 36}
